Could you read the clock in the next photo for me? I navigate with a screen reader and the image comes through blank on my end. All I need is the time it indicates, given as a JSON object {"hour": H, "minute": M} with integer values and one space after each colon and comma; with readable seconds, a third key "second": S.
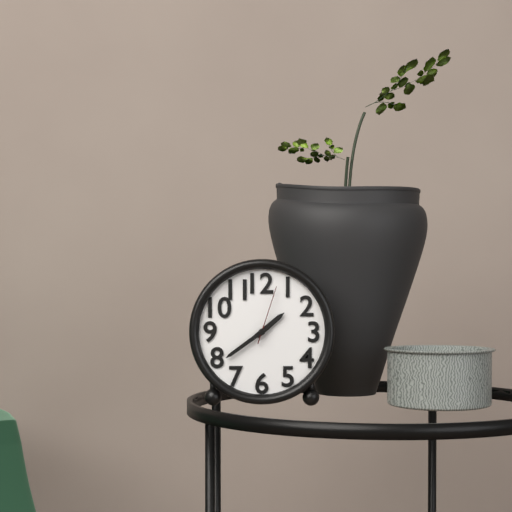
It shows {"hour": 1, "minute": 39, "second": 3}
